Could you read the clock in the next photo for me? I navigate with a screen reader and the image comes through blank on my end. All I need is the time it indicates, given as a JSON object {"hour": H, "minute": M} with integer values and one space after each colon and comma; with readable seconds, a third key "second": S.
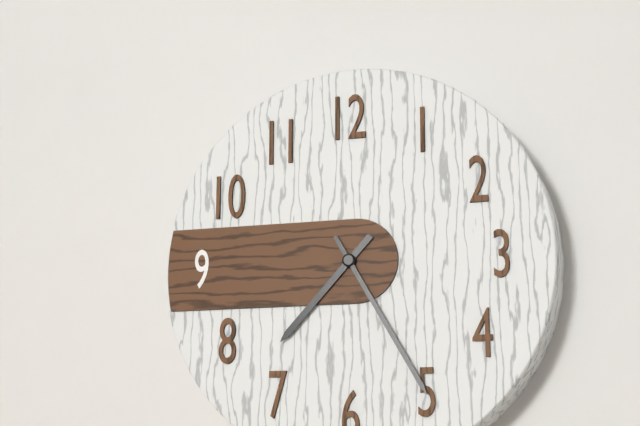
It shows {"hour": 7, "minute": 25}
